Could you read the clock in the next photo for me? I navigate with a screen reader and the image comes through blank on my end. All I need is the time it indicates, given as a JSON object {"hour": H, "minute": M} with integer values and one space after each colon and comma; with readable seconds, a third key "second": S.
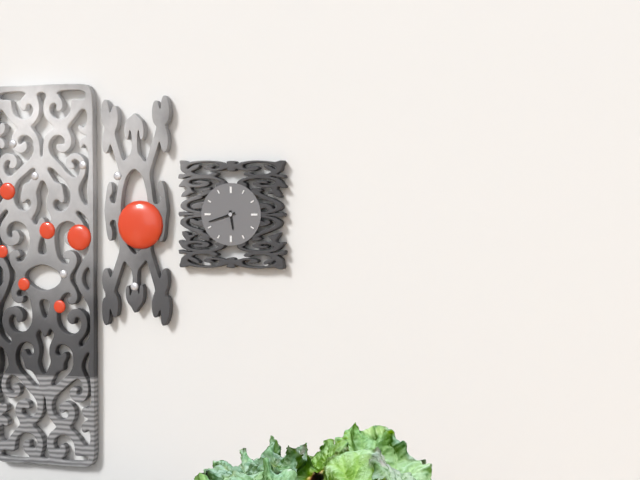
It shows {"hour": 5, "minute": 42}
